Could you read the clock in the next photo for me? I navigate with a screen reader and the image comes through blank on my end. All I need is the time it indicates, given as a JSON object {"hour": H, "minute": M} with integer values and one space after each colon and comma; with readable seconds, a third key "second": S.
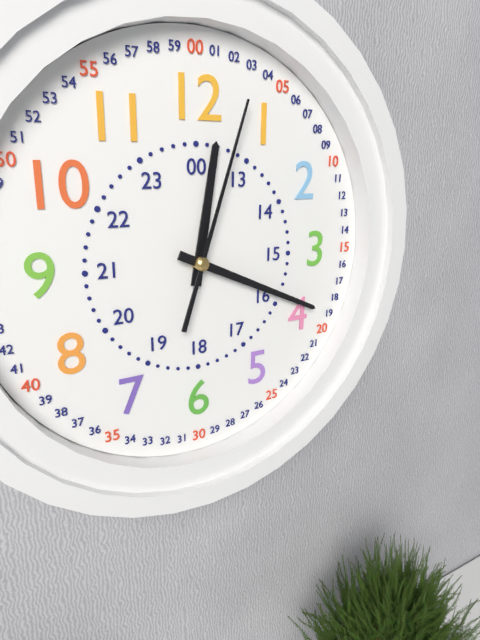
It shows {"hour": 12, "minute": 19, "second": 3}
